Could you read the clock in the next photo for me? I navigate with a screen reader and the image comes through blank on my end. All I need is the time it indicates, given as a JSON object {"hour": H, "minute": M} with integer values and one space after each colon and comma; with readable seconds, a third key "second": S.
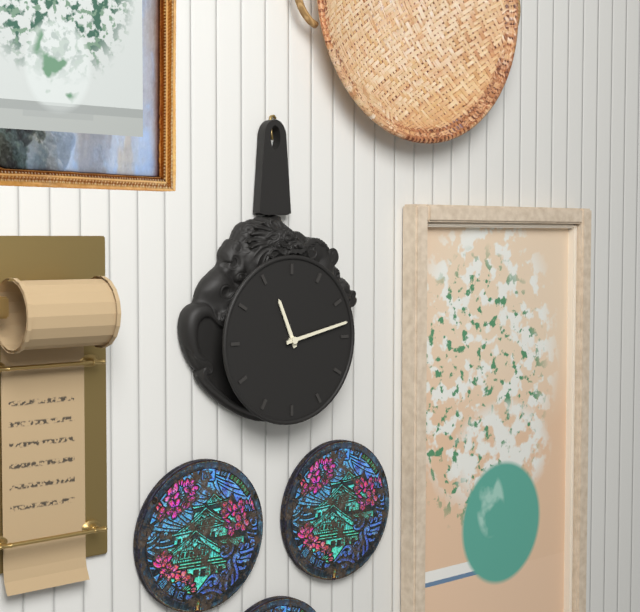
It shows {"hour": 11, "minute": 13}
